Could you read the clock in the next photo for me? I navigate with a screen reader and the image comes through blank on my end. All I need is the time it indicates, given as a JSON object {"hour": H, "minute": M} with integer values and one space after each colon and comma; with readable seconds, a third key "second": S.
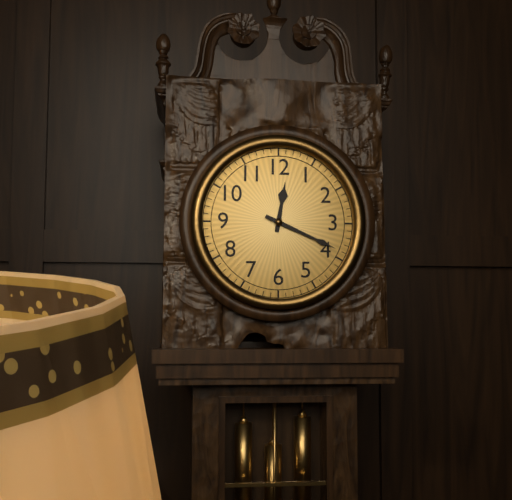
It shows {"hour": 12, "minute": 19}
